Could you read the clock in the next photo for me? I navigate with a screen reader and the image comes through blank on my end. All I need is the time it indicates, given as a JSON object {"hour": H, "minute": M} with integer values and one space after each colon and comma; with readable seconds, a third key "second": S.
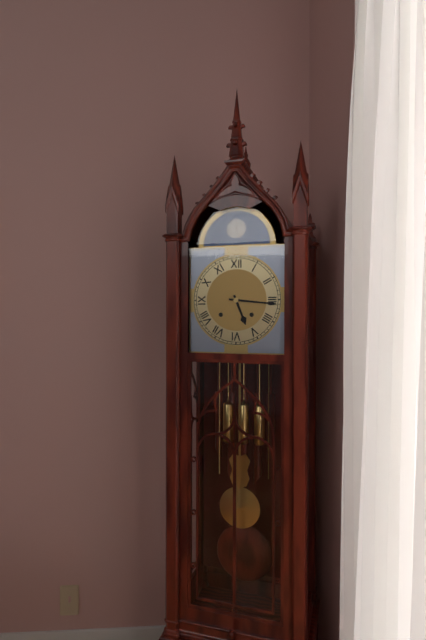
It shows {"hour": 5, "minute": 16}
